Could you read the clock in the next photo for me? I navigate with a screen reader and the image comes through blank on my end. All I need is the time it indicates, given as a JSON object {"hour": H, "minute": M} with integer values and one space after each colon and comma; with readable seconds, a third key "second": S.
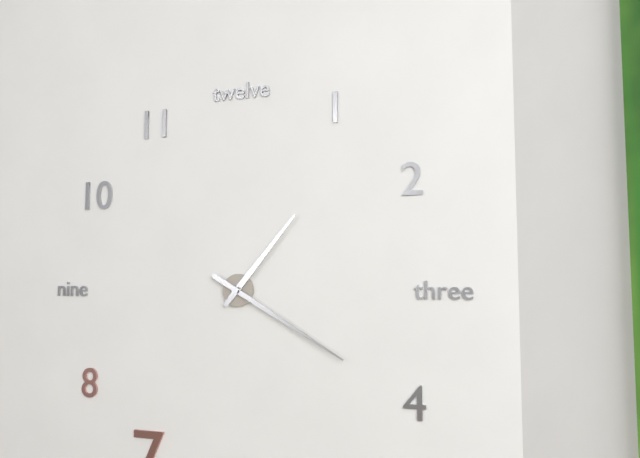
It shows {"hour": 1, "minute": 20}
